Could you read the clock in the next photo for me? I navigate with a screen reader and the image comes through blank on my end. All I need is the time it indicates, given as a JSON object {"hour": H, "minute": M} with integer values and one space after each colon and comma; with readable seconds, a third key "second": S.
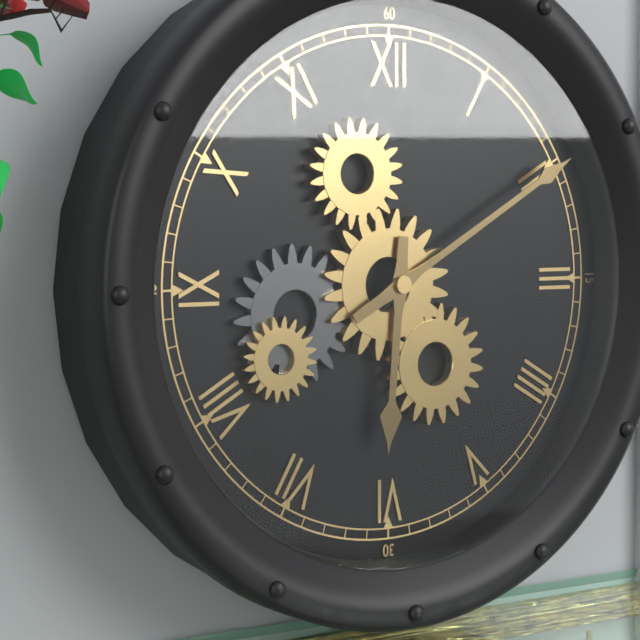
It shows {"hour": 6, "minute": 10}
